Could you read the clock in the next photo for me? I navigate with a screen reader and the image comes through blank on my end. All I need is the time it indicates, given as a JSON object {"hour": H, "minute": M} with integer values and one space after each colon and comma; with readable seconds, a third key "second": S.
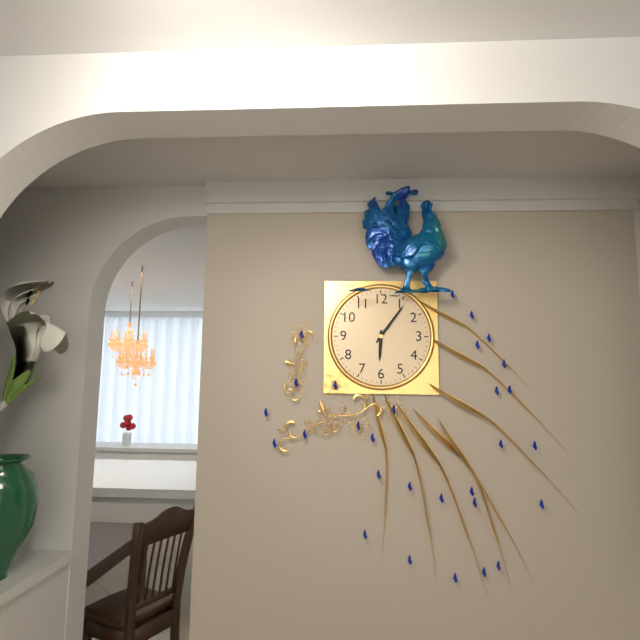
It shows {"hour": 6, "minute": 6}
